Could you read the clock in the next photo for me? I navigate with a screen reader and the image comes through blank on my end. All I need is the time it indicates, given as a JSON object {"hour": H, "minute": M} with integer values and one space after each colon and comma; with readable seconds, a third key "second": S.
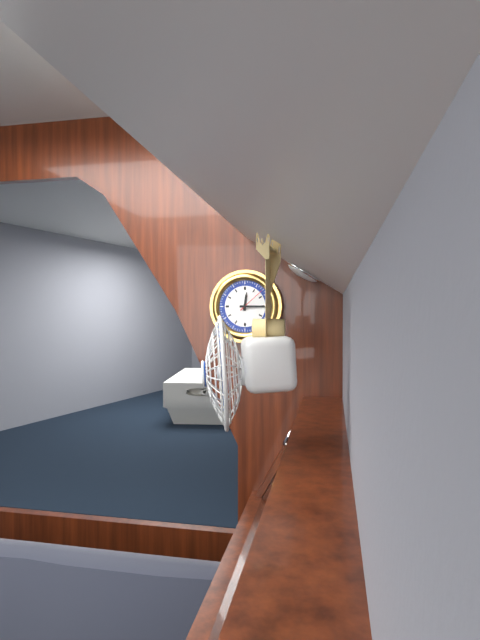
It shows {"hour": 12, "minute": 15}
